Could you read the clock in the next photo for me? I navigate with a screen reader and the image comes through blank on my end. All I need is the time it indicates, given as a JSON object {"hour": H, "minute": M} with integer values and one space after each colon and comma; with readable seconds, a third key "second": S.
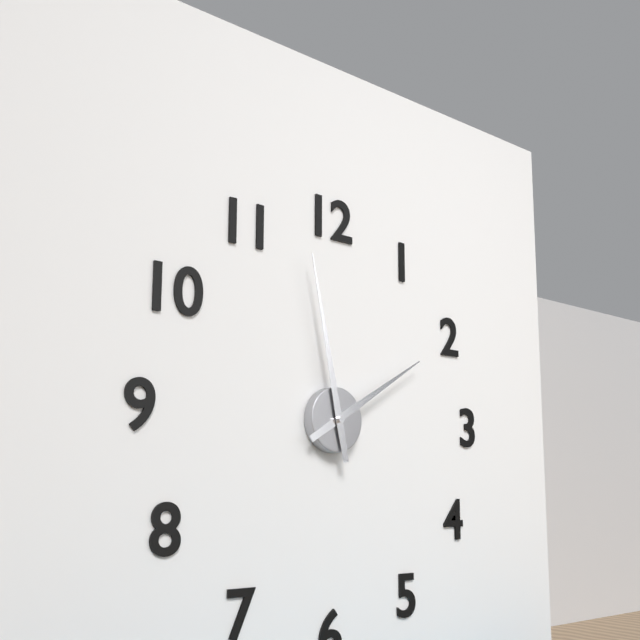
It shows {"hour": 1, "minute": 58}
